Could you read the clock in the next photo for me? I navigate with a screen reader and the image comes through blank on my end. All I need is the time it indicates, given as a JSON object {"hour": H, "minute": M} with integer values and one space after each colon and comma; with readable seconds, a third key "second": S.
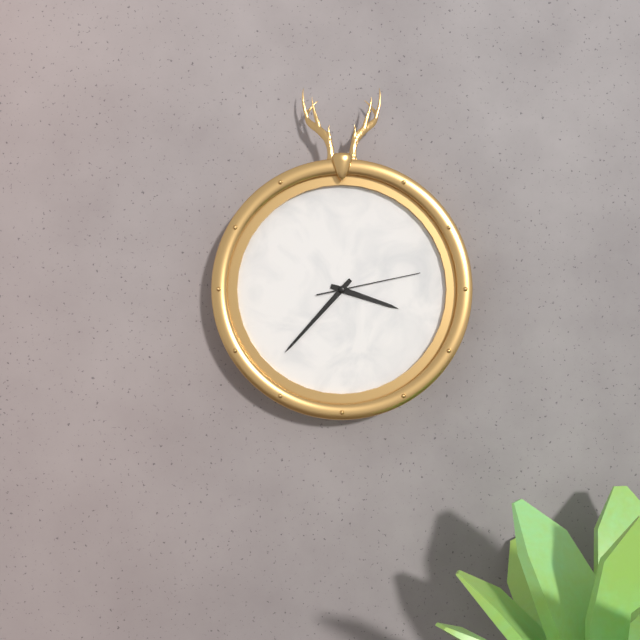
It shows {"hour": 3, "minute": 37, "second": 13}
